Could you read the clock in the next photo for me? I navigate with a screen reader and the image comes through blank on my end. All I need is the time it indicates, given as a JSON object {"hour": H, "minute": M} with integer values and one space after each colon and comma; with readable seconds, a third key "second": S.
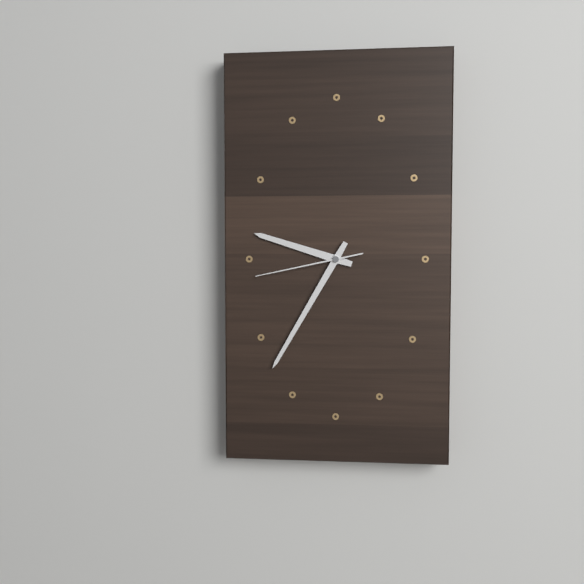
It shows {"hour": 9, "minute": 35, "second": 43}
